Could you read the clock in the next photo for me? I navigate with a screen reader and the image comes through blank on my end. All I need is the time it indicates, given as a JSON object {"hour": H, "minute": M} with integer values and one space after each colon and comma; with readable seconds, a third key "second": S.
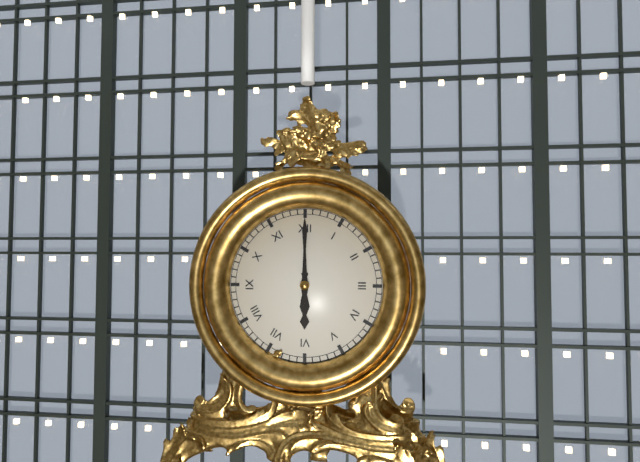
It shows {"hour": 6, "minute": 0}
